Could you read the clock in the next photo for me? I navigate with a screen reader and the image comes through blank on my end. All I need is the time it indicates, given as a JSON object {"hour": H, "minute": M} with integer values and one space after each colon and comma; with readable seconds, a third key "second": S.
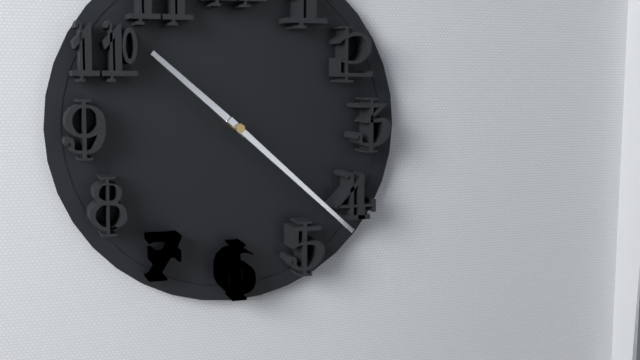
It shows {"hour": 10, "minute": 22}
